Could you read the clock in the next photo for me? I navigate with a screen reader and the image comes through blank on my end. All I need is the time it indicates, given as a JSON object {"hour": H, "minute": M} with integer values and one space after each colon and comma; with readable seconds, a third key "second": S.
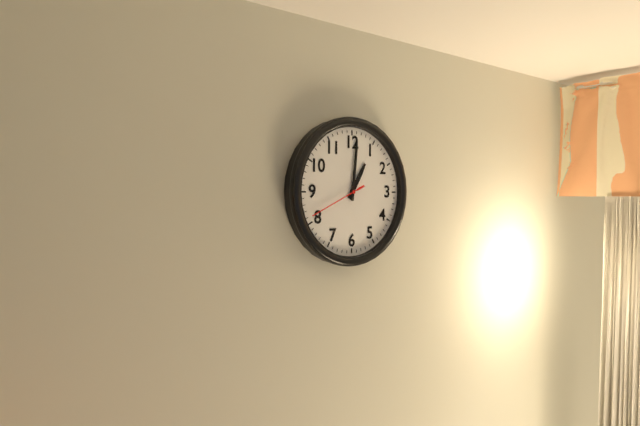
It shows {"hour": 1, "minute": 1, "second": 41}
